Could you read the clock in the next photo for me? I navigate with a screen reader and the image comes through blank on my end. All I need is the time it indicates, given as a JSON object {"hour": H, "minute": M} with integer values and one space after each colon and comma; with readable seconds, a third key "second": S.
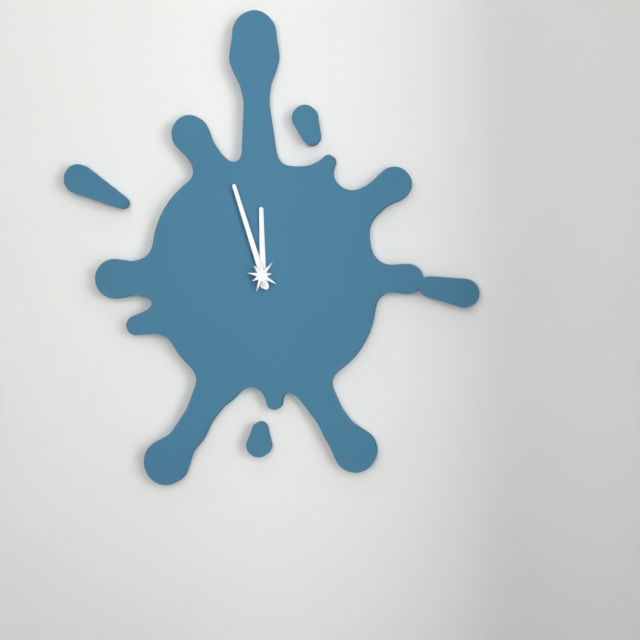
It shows {"hour": 11, "minute": 57}
